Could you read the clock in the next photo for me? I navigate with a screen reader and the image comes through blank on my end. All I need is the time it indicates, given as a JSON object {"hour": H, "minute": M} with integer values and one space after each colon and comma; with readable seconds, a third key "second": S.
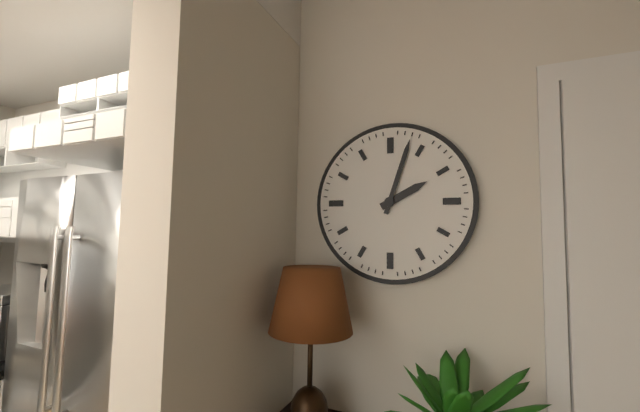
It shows {"hour": 2, "minute": 3}
